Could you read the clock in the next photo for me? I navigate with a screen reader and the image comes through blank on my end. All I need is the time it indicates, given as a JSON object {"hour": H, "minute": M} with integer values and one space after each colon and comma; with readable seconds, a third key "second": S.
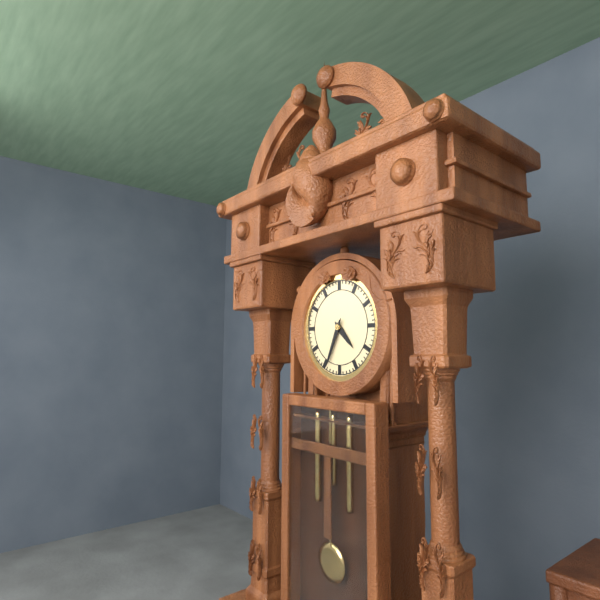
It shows {"hour": 4, "minute": 34}
